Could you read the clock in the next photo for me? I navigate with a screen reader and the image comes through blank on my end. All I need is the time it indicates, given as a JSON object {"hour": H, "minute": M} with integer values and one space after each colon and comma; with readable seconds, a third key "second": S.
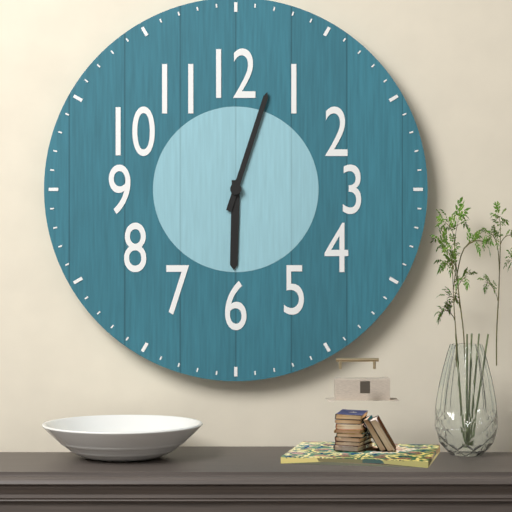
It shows {"hour": 6, "minute": 3}
